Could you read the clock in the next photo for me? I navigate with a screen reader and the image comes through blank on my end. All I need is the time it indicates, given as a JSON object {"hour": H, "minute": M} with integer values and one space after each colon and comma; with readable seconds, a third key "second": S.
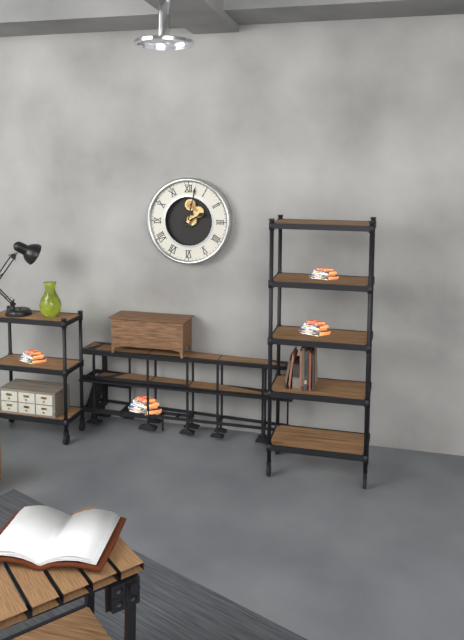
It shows {"hour": 2, "minute": 2}
